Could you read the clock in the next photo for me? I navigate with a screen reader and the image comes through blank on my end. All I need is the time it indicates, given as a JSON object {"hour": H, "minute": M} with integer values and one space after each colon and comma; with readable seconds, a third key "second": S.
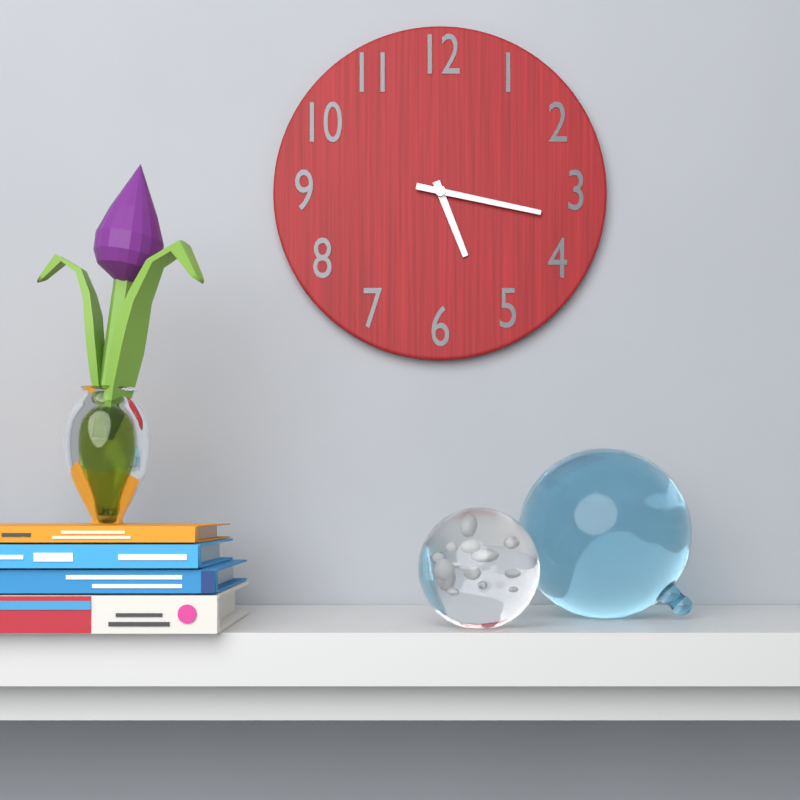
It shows {"hour": 5, "minute": 17}
